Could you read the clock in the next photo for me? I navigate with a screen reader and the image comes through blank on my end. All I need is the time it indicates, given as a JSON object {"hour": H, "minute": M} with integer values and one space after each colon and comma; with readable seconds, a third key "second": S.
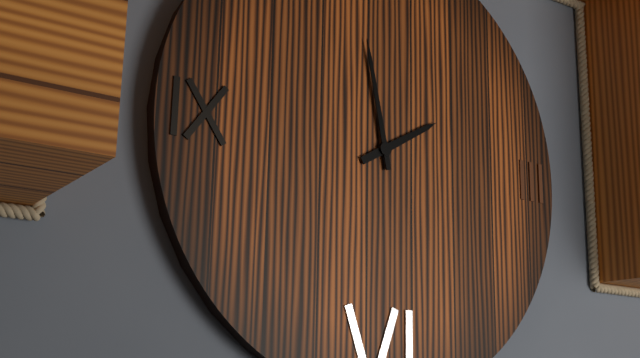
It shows {"hour": 1, "minute": 58}
